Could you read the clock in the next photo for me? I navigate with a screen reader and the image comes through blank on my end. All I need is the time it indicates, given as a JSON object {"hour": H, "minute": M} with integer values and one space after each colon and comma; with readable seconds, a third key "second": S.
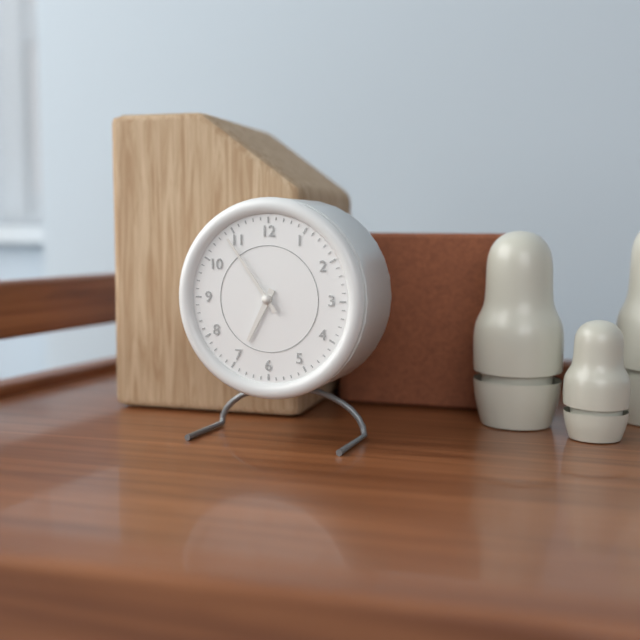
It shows {"hour": 6, "minute": 54}
